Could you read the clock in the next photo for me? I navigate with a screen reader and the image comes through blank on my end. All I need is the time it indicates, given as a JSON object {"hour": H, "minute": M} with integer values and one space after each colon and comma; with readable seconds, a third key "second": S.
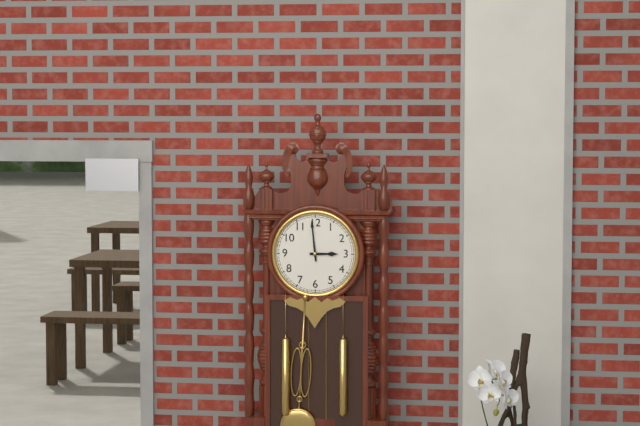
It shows {"hour": 2, "minute": 59}
